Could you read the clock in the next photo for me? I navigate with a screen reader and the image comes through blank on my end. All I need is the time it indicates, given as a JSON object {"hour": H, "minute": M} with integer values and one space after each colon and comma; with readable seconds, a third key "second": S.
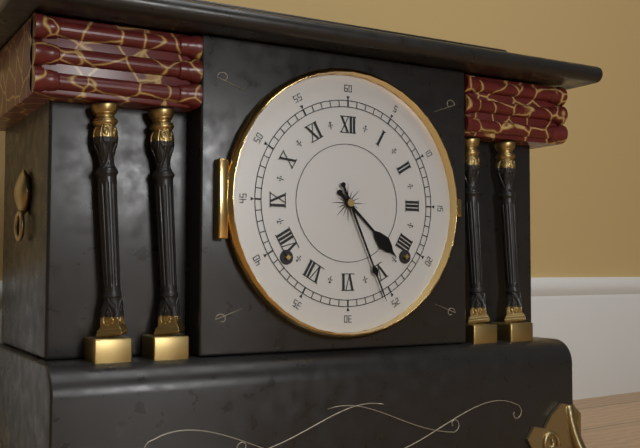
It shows {"hour": 4, "minute": 26}
